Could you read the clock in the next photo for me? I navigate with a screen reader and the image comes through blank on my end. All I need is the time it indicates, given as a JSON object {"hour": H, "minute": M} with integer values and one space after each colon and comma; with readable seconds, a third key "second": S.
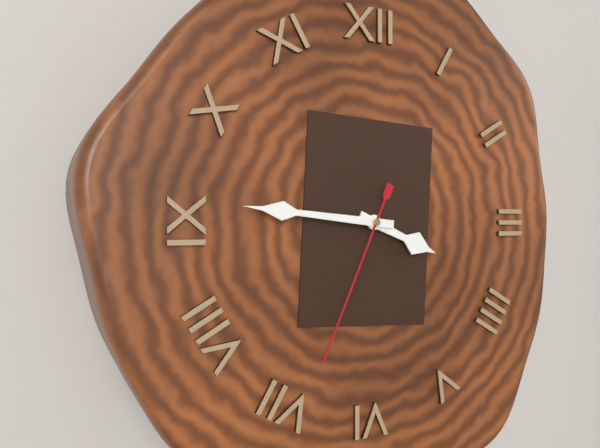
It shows {"hour": 3, "minute": 46, "second": 34}
